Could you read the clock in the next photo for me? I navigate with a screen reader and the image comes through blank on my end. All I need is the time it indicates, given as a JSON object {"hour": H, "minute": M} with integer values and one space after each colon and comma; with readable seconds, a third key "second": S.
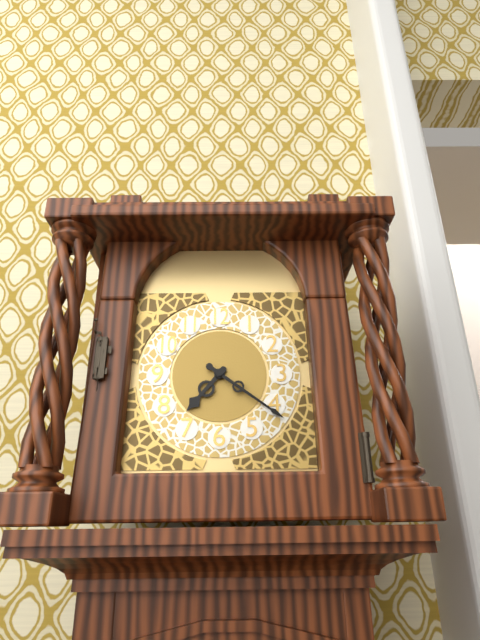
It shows {"hour": 7, "minute": 21}
